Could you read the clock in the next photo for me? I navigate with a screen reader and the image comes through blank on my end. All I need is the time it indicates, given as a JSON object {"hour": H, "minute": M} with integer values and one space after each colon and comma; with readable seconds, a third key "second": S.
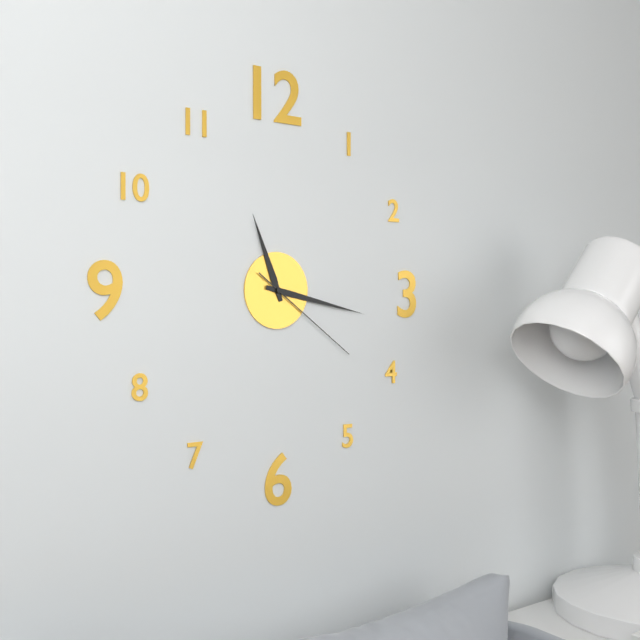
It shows {"hour": 11, "minute": 17, "second": 21}
